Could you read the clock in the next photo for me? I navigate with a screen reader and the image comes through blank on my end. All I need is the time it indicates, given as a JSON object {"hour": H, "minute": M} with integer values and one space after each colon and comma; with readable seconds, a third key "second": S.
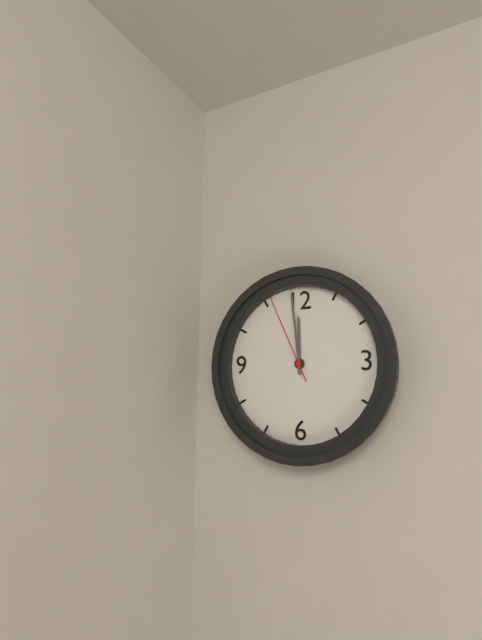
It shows {"hour": 11, "minute": 59, "second": 56}
